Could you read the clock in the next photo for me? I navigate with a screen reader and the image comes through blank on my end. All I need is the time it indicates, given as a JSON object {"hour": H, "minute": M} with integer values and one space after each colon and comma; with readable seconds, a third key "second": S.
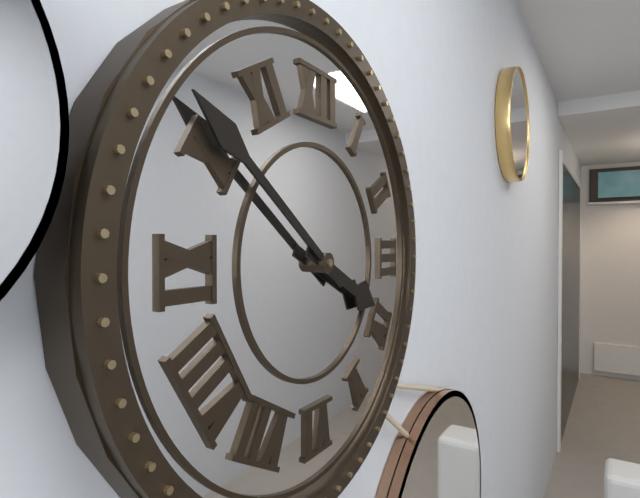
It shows {"hour": 3, "minute": 51}
